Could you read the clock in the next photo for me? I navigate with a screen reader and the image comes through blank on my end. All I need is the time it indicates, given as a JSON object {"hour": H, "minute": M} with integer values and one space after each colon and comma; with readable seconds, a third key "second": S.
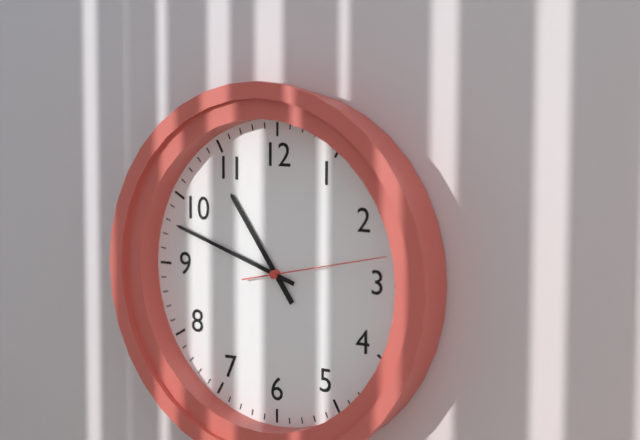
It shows {"hour": 10, "minute": 48, "second": 13}
